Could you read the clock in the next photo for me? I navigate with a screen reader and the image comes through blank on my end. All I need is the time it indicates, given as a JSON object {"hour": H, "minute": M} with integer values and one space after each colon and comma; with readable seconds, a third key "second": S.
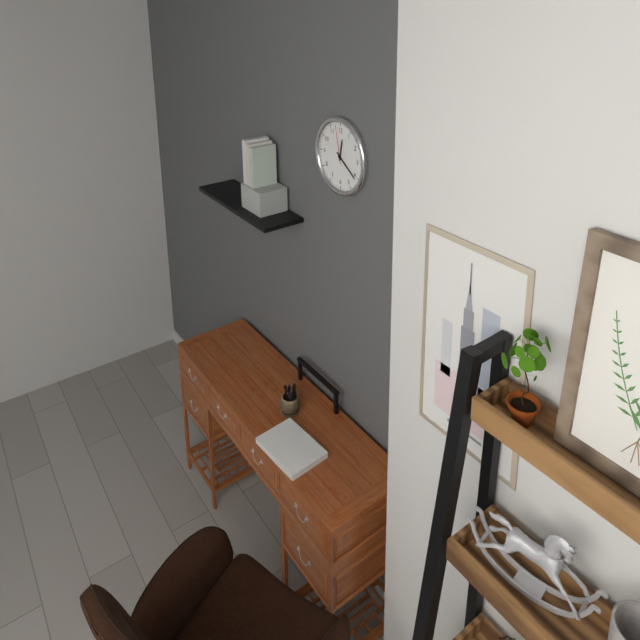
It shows {"hour": 12, "minute": 21}
